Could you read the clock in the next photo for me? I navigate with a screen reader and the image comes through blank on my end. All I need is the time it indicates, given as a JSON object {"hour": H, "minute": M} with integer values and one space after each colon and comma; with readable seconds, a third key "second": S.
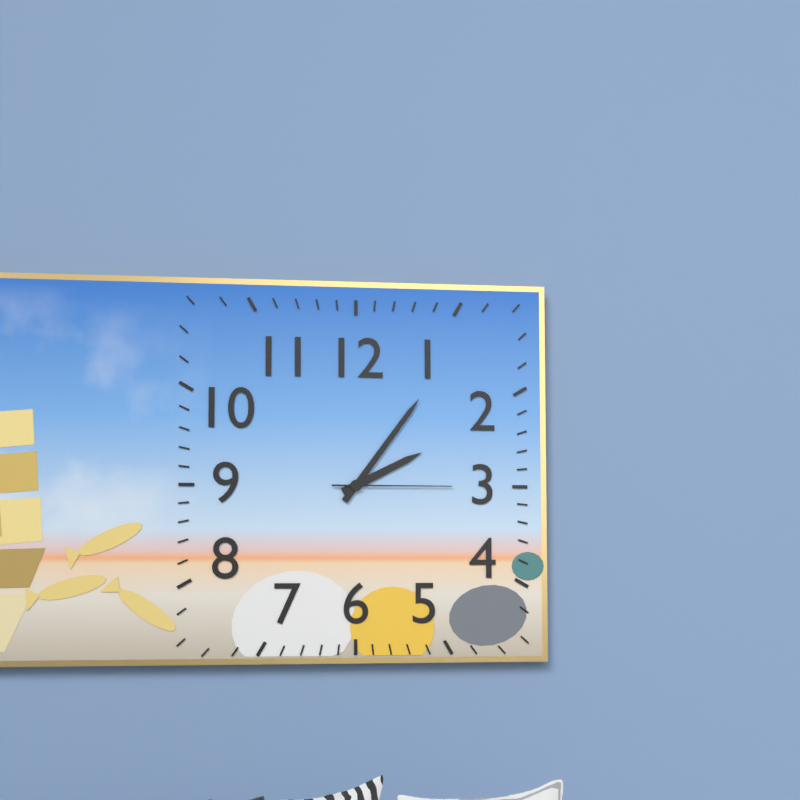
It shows {"hour": 2, "minute": 6, "second": 15}
